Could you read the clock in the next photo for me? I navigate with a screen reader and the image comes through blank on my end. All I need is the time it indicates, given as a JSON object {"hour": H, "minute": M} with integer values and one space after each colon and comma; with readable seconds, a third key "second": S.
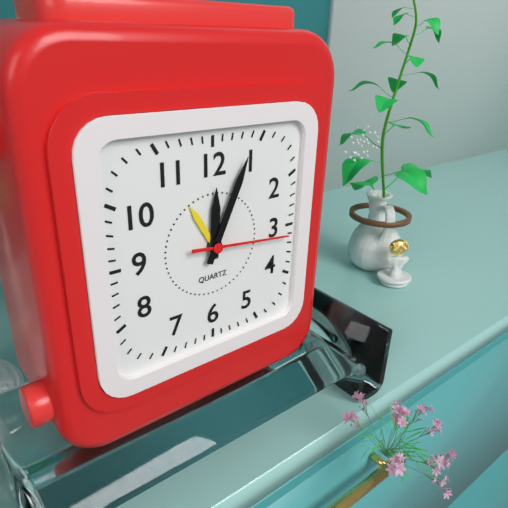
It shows {"hour": 12, "minute": 4, "second": 16}
